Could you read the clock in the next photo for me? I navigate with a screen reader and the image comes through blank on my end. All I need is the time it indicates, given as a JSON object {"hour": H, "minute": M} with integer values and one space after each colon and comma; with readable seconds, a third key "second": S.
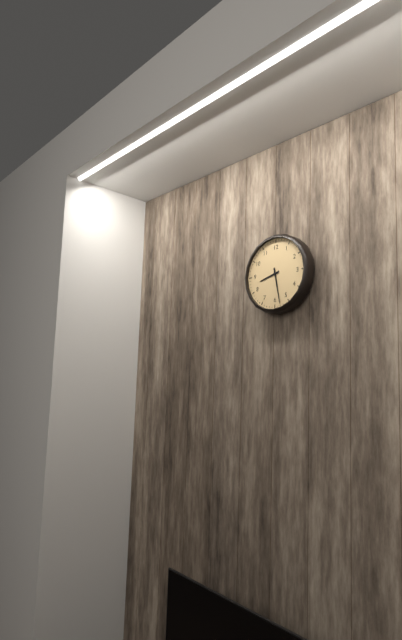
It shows {"hour": 8, "minute": 28}
